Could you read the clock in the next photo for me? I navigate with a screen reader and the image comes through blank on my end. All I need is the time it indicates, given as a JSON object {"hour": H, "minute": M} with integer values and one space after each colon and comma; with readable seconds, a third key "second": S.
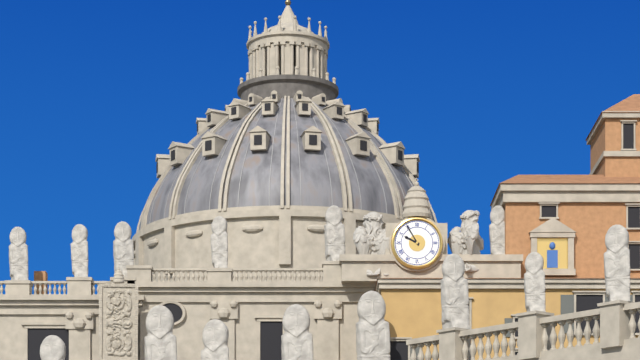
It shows {"hour": 9, "minute": 55}
